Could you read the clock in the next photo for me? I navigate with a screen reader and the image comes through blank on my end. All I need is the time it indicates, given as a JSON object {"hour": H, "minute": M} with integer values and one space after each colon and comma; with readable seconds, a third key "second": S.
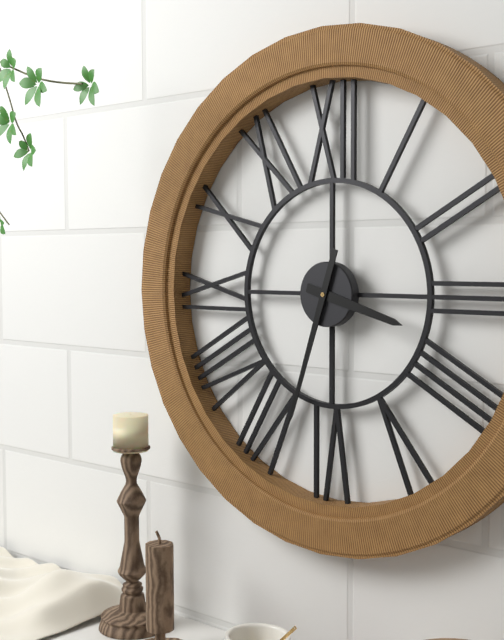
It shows {"hour": 3, "minute": 33}
